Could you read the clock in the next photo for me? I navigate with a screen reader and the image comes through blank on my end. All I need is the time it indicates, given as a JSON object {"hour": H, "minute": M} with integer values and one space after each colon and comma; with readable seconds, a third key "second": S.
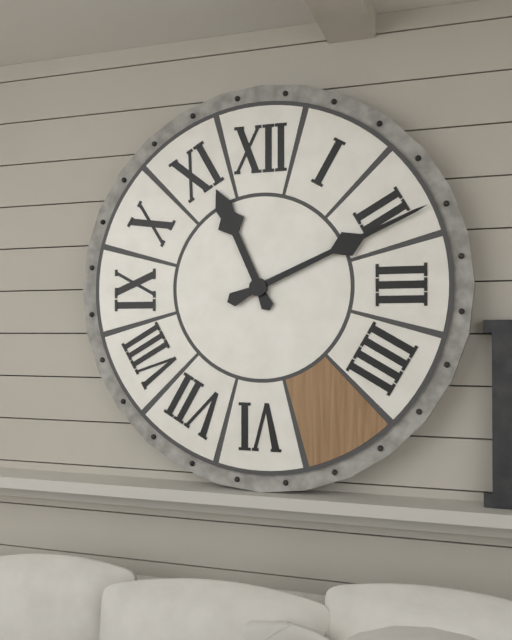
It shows {"hour": 11, "minute": 11}
